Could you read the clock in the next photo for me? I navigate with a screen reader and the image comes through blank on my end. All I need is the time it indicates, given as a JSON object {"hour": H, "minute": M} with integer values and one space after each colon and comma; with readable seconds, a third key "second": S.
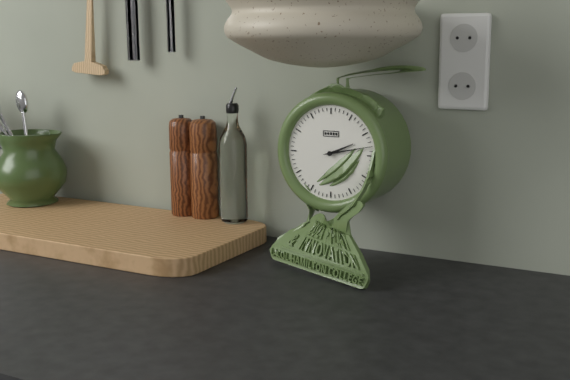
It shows {"hour": 2, "minute": 13}
